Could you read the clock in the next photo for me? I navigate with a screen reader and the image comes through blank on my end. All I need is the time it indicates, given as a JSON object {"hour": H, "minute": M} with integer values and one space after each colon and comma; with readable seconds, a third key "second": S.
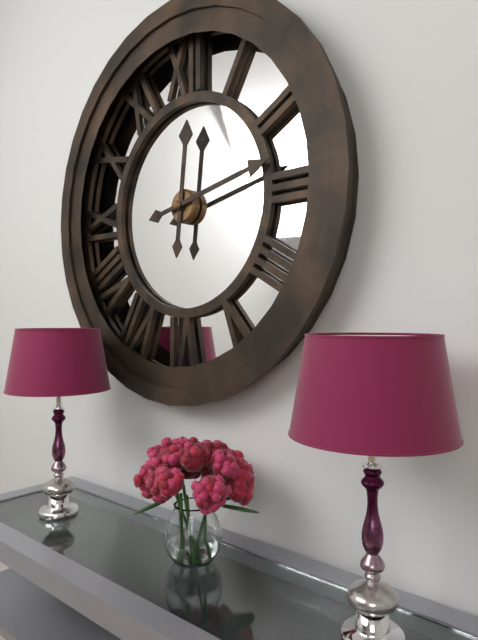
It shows {"hour": 12, "minute": 13}
